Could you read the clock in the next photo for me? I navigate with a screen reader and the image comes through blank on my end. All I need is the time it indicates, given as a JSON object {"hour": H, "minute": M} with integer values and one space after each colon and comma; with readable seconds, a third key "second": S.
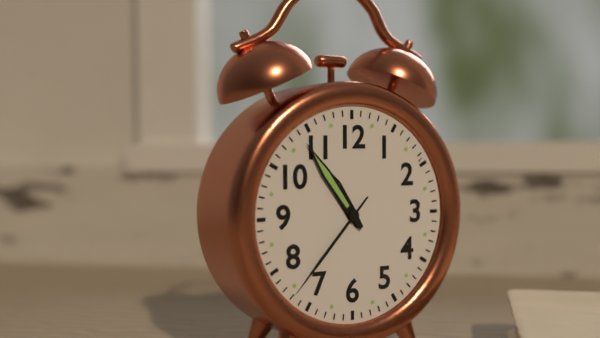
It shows {"hour": 10, "minute": 54, "second": 37}
